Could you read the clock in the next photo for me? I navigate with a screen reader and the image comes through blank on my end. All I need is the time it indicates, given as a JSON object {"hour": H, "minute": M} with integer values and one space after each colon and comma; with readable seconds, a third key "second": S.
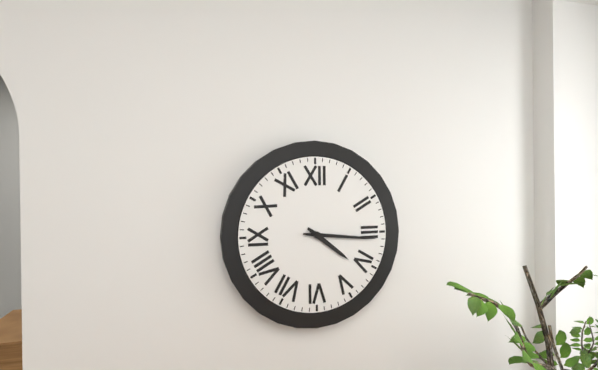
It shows {"hour": 4, "minute": 16}
